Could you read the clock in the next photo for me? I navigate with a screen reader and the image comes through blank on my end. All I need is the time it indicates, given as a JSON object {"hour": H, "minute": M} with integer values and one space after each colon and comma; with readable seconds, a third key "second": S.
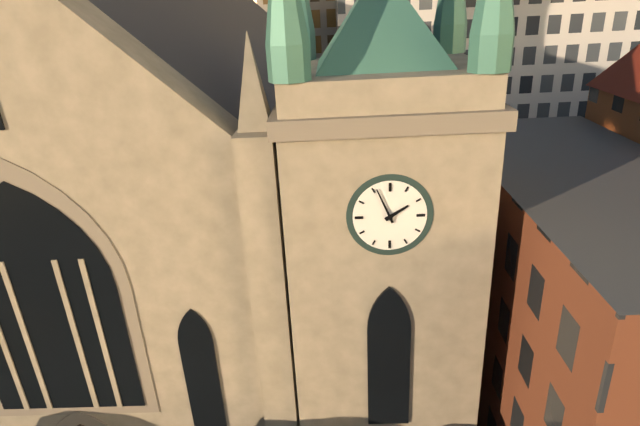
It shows {"hour": 1, "minute": 56}
